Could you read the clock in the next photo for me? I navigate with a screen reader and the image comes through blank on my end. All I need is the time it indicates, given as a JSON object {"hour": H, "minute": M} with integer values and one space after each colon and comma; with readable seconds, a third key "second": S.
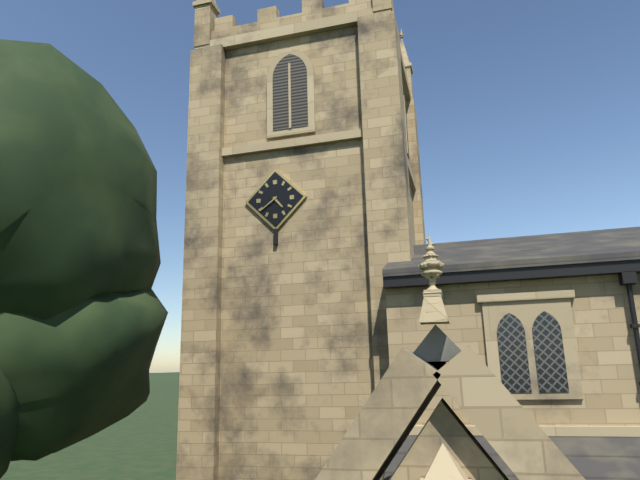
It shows {"hour": 4, "minute": 39}
